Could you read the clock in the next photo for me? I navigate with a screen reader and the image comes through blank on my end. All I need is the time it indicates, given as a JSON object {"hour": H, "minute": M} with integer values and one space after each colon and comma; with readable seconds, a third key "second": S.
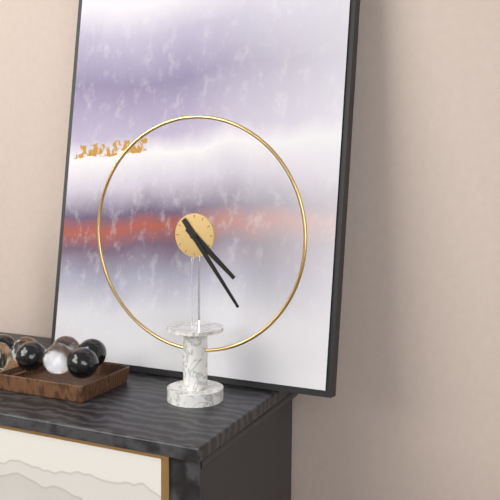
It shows {"hour": 4, "minute": 24}
